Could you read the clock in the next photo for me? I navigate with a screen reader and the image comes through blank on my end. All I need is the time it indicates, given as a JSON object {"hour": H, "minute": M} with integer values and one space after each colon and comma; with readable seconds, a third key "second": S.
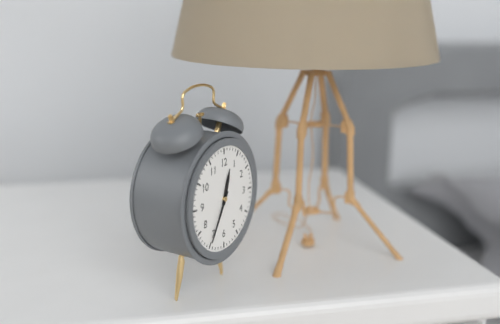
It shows {"hour": 12, "minute": 35}
